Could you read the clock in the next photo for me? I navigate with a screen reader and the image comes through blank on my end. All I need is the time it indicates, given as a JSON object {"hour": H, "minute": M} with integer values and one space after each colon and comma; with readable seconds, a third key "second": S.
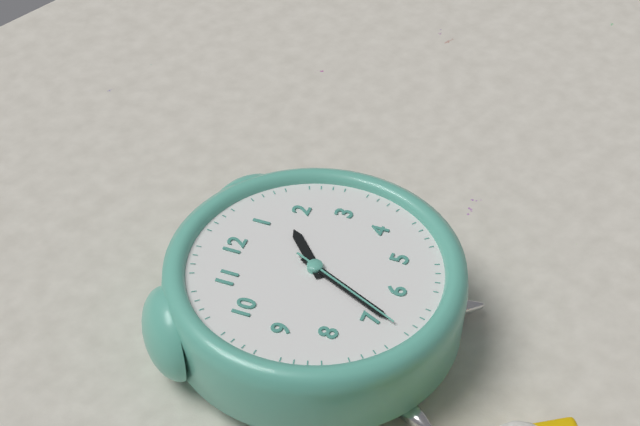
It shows {"hour": 1, "minute": 34, "second": 34}
